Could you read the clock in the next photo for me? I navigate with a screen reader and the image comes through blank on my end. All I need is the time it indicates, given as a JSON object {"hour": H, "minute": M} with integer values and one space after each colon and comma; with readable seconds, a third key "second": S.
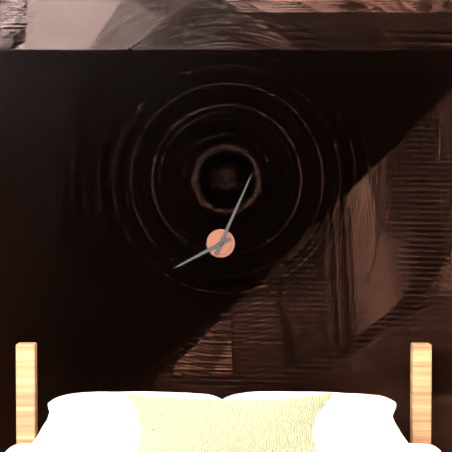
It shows {"hour": 8, "minute": 4}
